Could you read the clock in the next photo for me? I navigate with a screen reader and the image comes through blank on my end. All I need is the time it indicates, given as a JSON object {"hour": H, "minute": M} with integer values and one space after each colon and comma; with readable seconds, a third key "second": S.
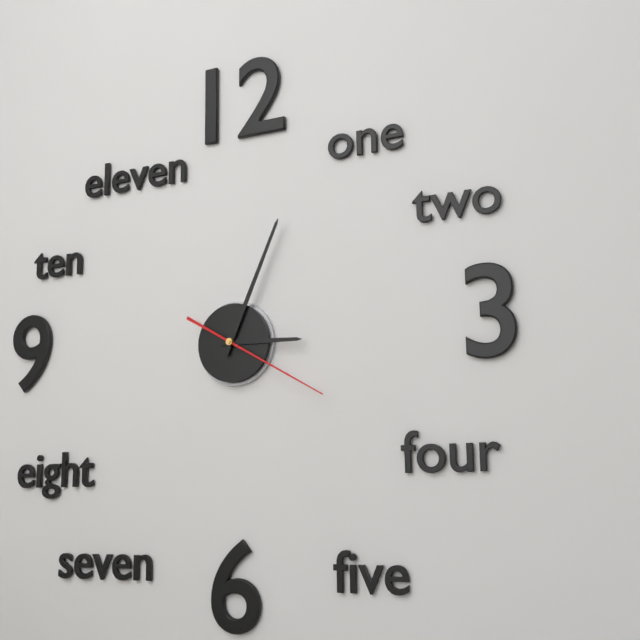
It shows {"hour": 3, "minute": 4, "second": 20}
